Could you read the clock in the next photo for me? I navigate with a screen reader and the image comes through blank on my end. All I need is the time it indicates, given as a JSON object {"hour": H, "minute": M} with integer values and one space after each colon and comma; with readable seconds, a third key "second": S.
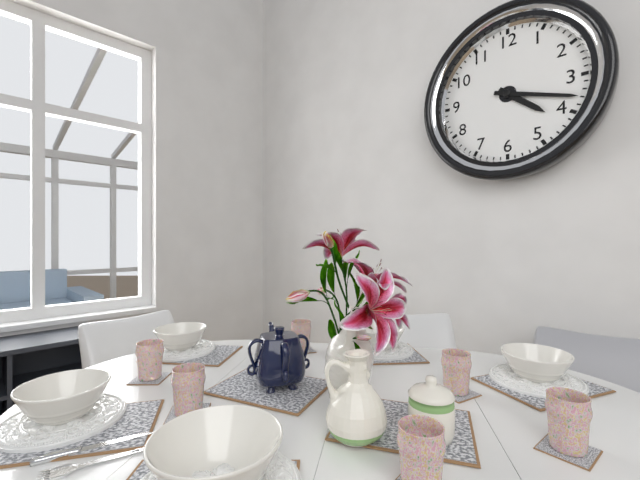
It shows {"hour": 4, "minute": 18}
